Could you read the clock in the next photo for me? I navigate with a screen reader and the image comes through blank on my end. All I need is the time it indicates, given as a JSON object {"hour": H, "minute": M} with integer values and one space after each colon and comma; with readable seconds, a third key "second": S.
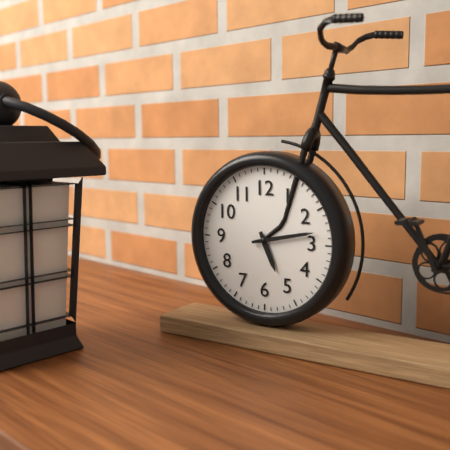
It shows {"hour": 5, "minute": 13}
